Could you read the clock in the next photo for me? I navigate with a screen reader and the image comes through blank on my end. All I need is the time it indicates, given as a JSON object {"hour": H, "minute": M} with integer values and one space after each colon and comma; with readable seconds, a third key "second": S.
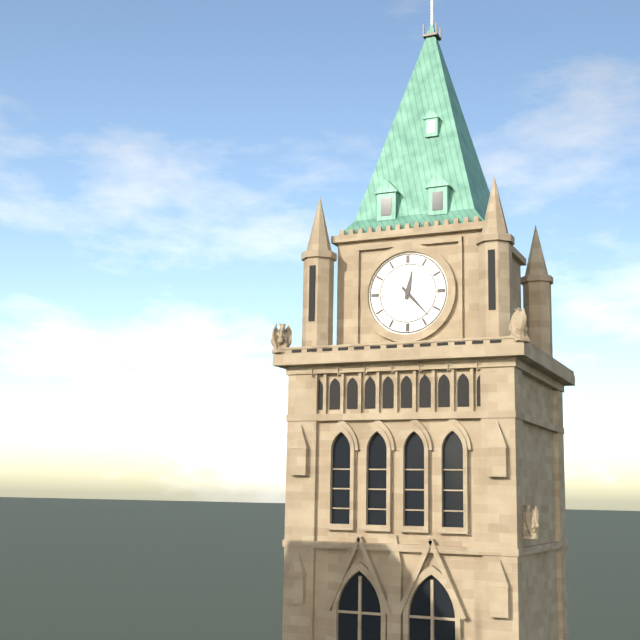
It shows {"hour": 12, "minute": 23}
